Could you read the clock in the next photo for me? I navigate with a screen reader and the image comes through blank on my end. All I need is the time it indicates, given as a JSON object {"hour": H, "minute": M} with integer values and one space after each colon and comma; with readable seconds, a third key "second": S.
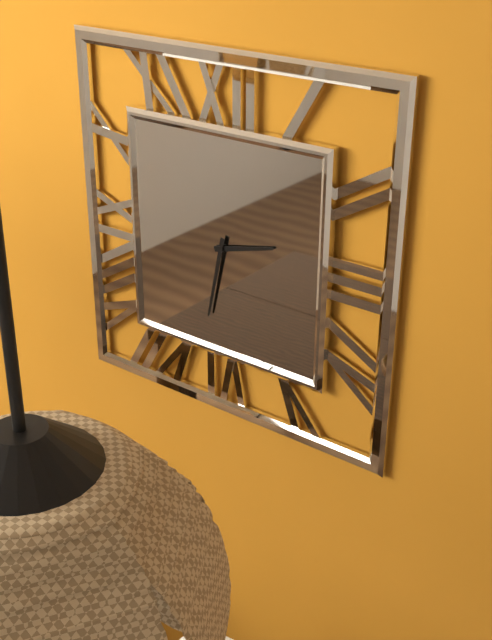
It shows {"hour": 2, "minute": 32}
